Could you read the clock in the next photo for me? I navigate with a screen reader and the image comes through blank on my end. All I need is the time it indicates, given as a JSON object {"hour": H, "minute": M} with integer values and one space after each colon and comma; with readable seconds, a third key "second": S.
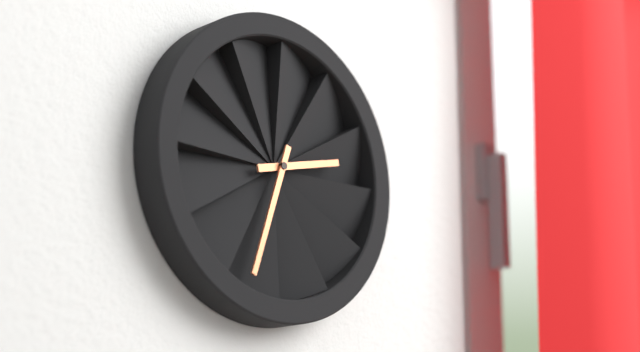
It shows {"hour": 2, "minute": 33}
